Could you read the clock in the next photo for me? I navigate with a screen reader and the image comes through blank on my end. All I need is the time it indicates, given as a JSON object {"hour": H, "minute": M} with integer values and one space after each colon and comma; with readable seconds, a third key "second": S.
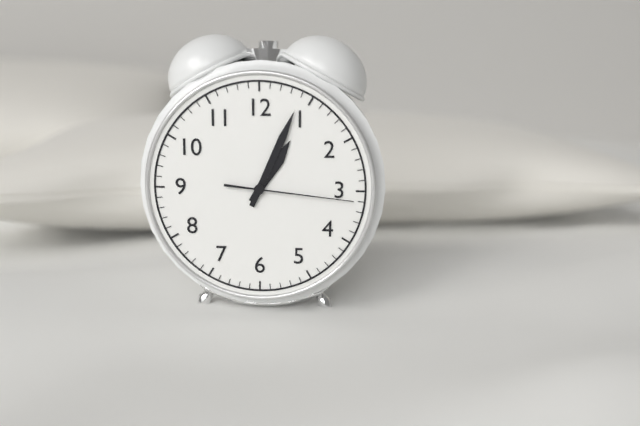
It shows {"hour": 1, "minute": 4, "second": 16}
